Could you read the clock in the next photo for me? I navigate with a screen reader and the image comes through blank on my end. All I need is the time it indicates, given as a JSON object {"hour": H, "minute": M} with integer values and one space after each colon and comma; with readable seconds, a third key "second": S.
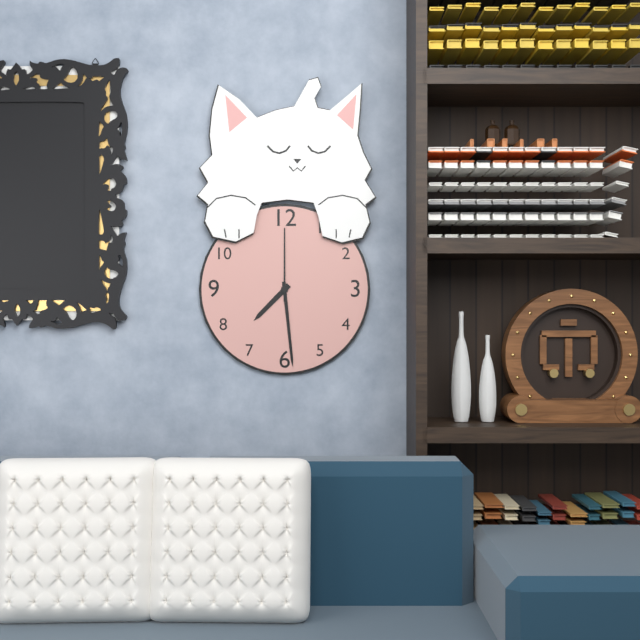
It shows {"hour": 7, "minute": 29, "second": 0}
